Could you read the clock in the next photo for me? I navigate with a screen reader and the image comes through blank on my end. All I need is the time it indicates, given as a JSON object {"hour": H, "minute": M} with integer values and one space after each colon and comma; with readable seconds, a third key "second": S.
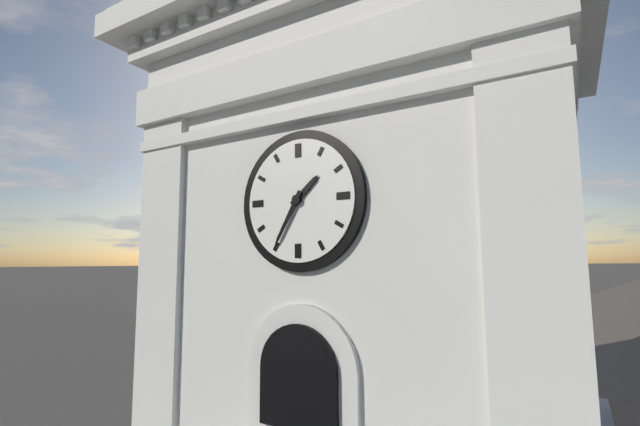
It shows {"hour": 1, "minute": 35}
